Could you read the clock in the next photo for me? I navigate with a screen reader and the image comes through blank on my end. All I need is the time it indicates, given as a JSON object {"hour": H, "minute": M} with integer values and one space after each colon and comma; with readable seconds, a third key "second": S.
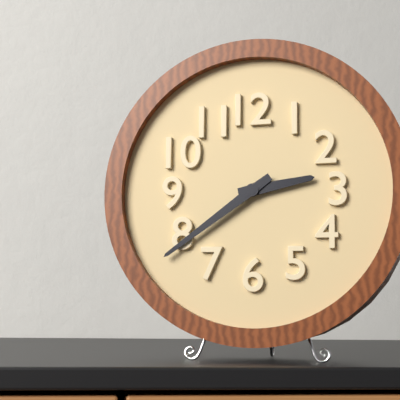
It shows {"hour": 2, "minute": 39}
